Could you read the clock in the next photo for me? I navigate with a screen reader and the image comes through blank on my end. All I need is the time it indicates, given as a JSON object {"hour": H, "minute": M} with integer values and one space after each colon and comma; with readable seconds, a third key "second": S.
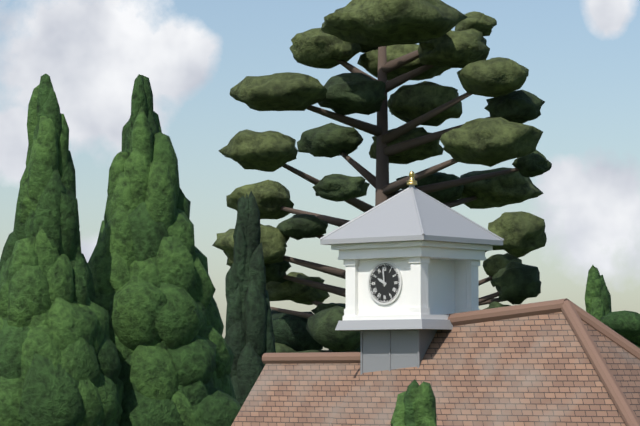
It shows {"hour": 9, "minute": 59}
